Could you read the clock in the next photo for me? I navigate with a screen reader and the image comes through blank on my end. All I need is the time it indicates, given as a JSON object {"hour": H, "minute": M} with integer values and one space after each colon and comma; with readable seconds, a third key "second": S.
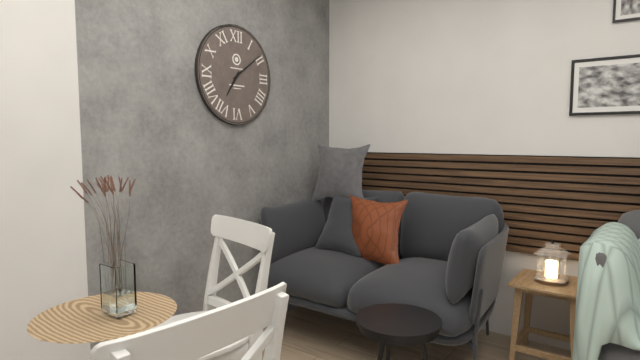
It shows {"hour": 7, "minute": 9}
